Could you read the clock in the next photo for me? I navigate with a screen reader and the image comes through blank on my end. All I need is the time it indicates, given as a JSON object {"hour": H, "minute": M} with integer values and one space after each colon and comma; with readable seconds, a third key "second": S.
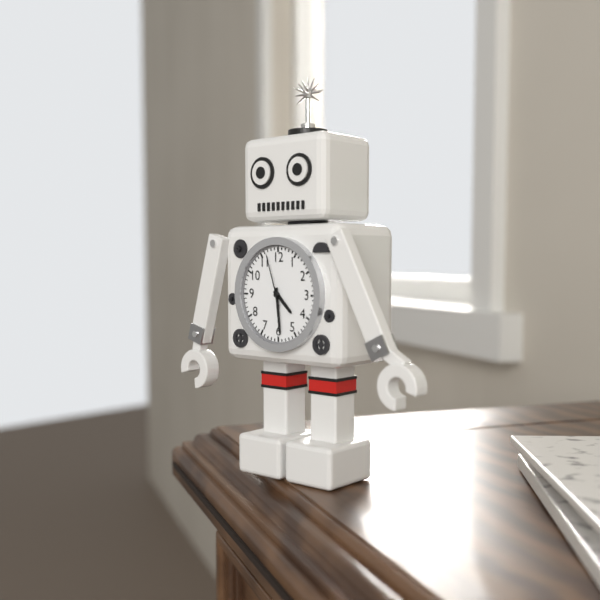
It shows {"hour": 4, "minute": 29, "second": 57}
